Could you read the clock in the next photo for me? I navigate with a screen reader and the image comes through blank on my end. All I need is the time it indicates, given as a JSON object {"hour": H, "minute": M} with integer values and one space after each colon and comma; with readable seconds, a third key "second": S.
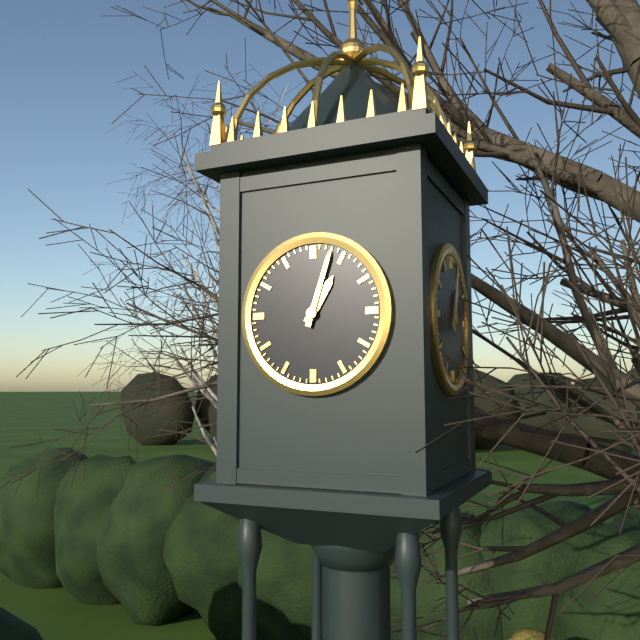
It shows {"hour": 1, "minute": 3}
